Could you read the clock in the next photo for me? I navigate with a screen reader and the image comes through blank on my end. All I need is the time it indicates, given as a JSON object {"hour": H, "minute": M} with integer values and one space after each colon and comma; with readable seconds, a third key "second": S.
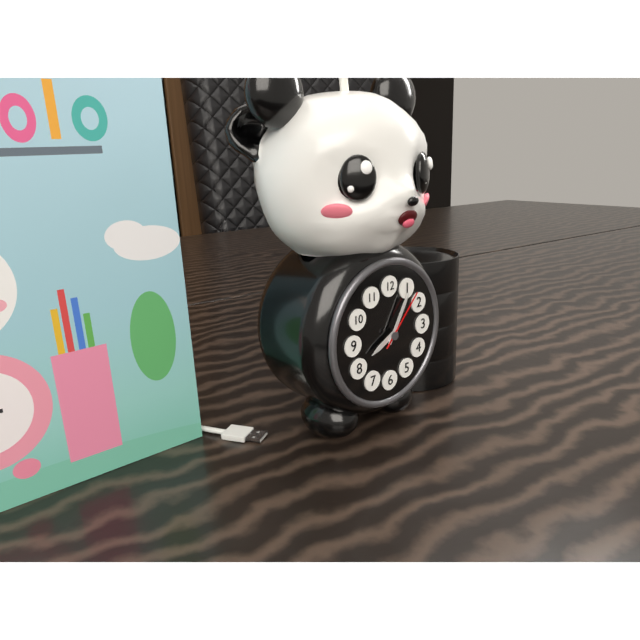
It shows {"hour": 8, "minute": 5, "second": 7}
